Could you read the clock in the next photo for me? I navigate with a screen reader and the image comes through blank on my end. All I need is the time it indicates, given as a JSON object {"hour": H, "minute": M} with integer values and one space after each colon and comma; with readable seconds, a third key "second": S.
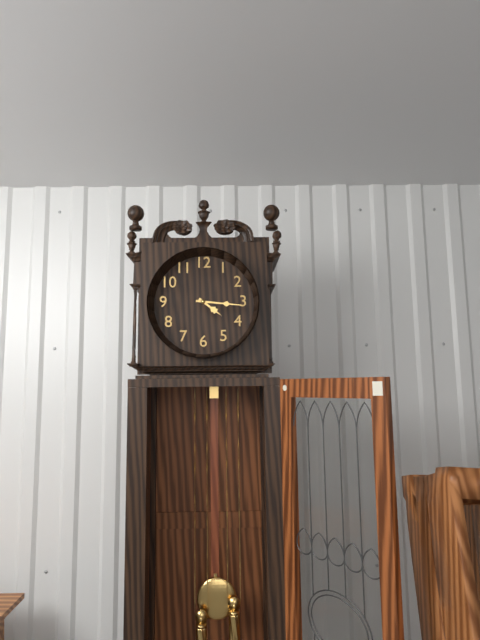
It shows {"hour": 4, "minute": 16}
